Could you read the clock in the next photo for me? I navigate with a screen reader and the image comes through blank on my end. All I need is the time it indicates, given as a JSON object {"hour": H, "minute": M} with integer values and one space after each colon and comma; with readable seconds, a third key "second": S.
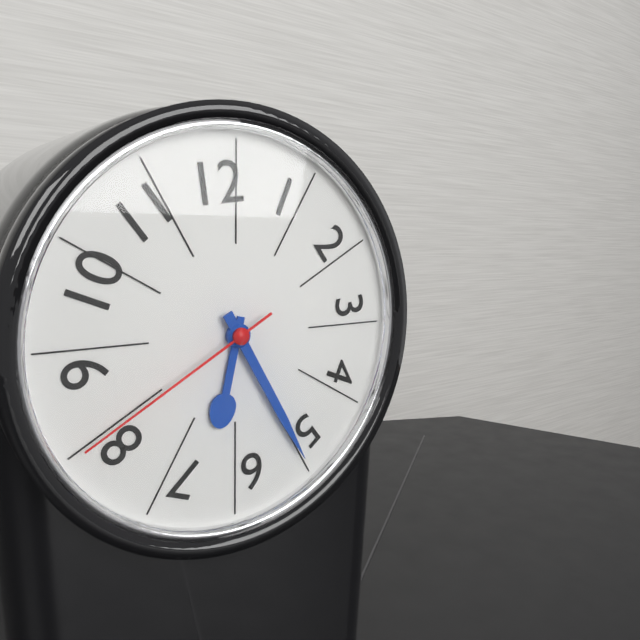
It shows {"hour": 6, "minute": 25, "second": 40}
